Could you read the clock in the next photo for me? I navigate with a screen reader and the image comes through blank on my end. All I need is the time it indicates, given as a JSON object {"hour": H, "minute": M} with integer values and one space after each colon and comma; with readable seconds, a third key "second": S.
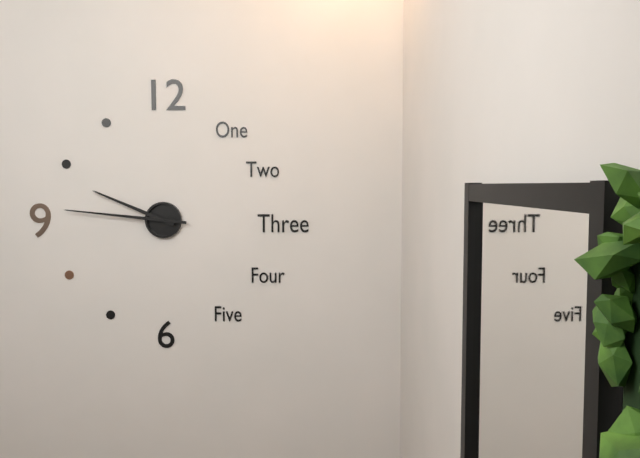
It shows {"hour": 9, "minute": 46}
